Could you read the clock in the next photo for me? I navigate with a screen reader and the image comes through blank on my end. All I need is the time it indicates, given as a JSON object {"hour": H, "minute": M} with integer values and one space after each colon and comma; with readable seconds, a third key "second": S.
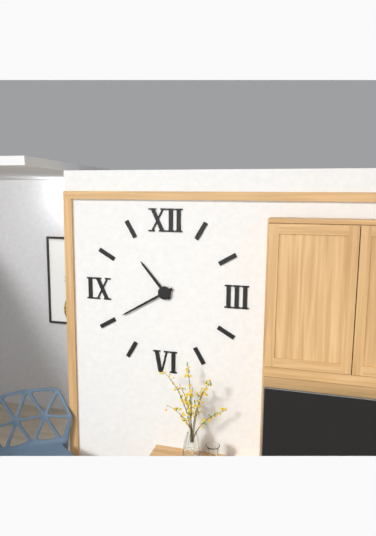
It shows {"hour": 10, "minute": 40}
